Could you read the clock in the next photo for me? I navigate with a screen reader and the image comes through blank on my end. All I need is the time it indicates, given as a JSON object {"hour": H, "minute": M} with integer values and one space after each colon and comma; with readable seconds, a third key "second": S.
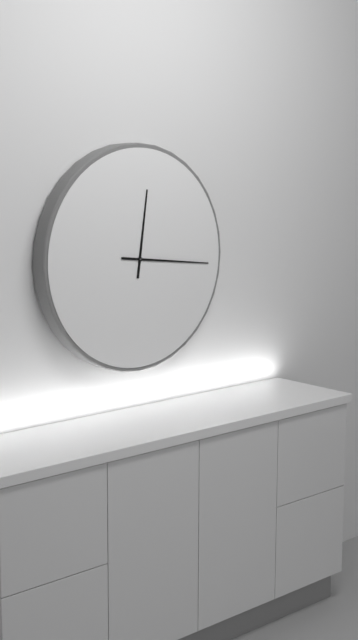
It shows {"hour": 12, "minute": 16}
